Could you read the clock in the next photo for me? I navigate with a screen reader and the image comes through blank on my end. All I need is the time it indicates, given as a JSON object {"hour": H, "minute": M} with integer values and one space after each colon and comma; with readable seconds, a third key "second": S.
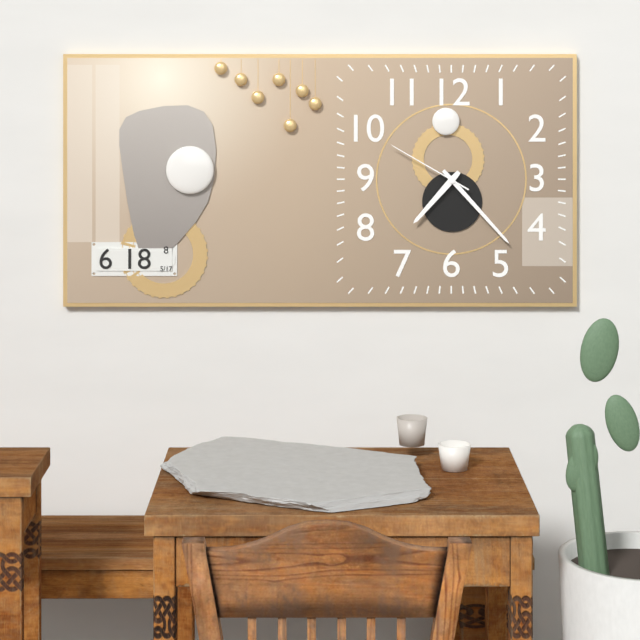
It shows {"hour": 7, "minute": 23, "second": 50}
